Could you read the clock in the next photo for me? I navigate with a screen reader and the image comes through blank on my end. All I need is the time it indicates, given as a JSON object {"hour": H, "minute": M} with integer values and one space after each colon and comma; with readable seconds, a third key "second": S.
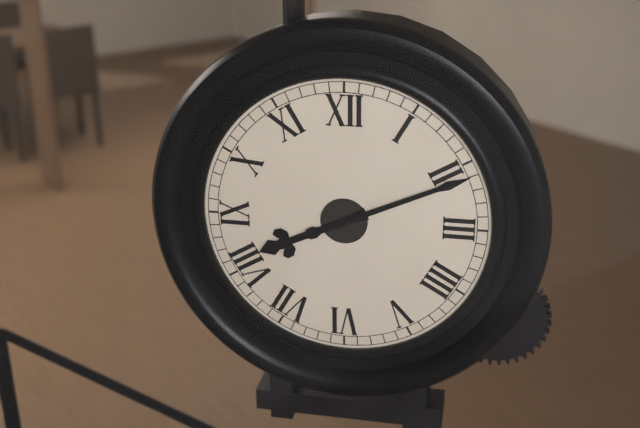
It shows {"hour": 8, "minute": 11}
